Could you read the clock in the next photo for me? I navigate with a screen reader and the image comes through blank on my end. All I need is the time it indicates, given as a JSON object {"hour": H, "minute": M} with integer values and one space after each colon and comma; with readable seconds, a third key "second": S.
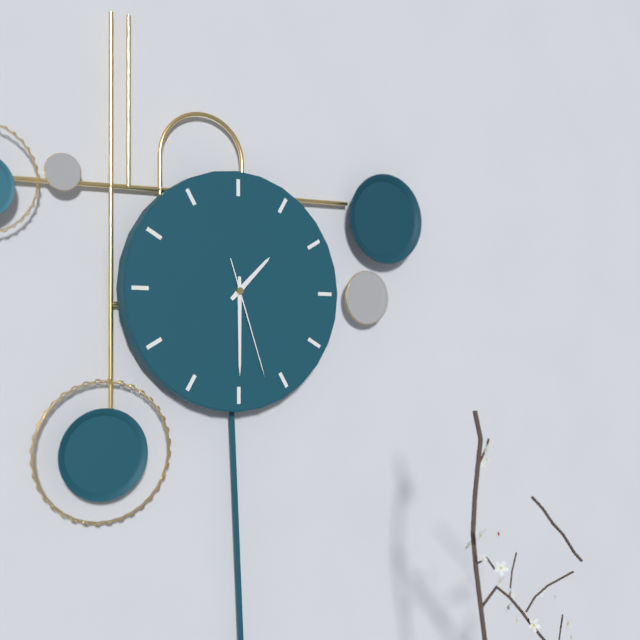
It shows {"hour": 1, "minute": 30, "second": 27}
